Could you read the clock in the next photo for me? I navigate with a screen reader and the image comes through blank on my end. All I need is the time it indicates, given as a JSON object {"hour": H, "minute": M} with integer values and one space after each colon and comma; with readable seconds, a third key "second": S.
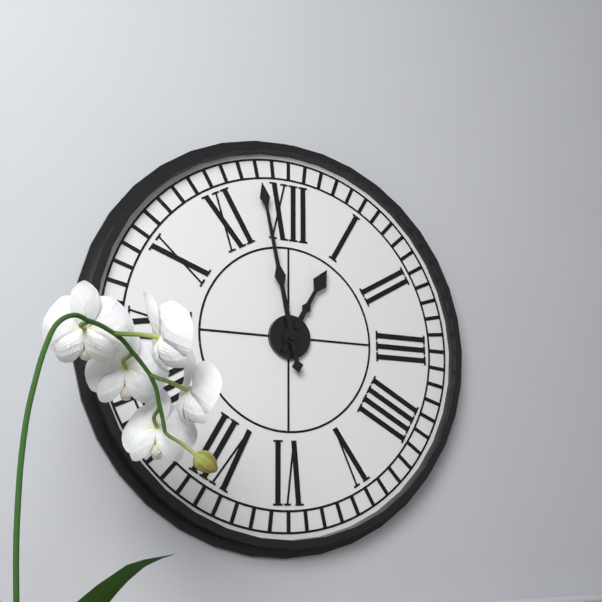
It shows {"hour": 12, "minute": 58}
